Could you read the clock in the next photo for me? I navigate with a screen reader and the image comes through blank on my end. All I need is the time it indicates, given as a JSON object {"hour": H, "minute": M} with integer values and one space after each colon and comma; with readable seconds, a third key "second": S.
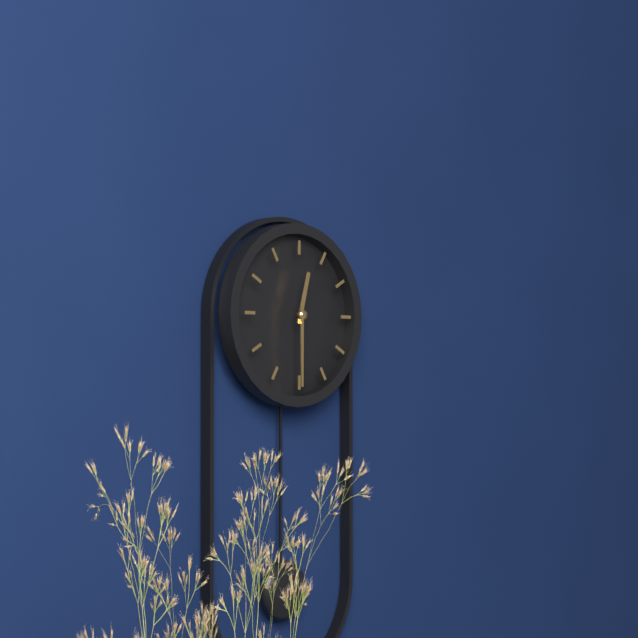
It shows {"hour": 12, "minute": 30}
